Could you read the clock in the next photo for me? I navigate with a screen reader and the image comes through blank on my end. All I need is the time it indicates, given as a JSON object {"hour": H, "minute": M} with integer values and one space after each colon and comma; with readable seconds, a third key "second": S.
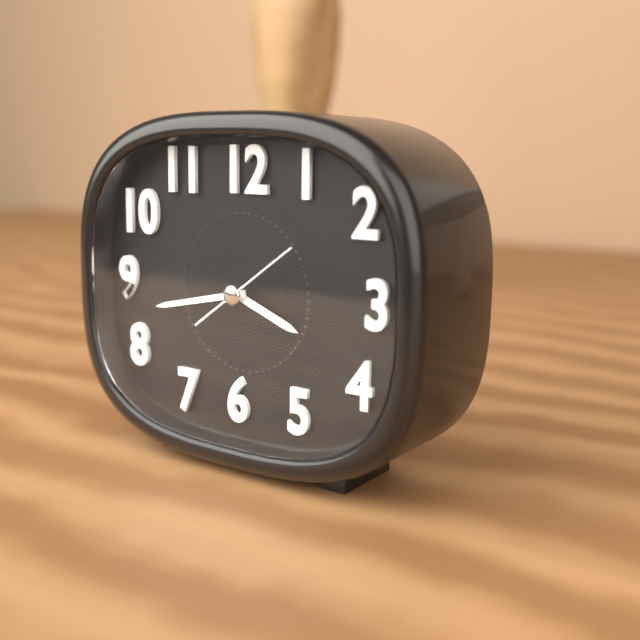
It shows {"hour": 3, "minute": 43, "second": 9}
